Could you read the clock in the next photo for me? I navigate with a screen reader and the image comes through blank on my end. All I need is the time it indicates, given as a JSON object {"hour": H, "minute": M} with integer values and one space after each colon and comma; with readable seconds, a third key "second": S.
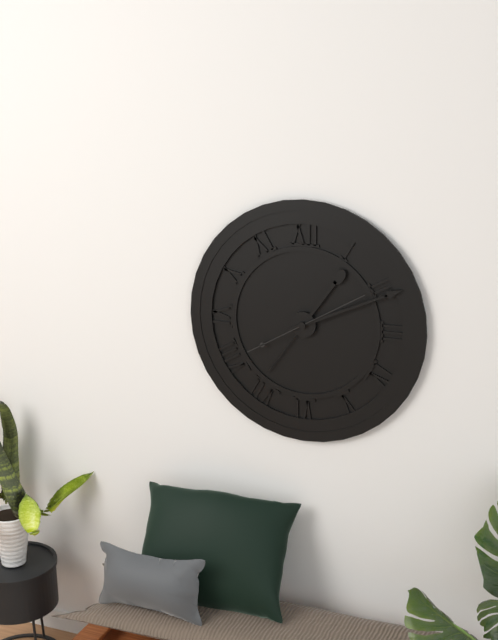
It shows {"hour": 1, "minute": 11, "second": 10}
